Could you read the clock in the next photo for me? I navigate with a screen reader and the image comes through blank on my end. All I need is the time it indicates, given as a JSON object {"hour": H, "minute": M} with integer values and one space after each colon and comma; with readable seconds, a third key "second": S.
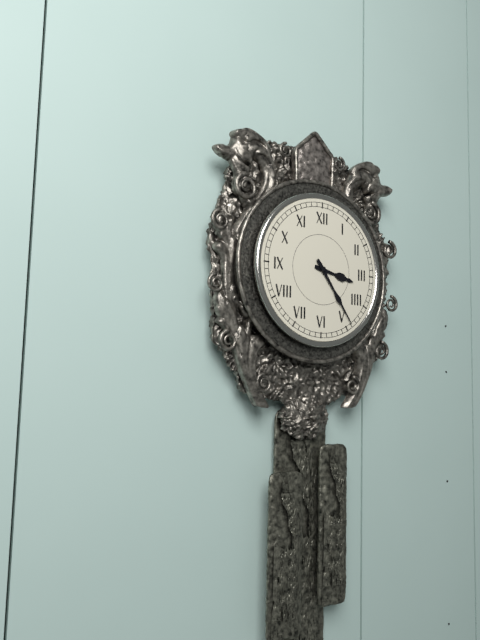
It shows {"hour": 3, "minute": 24}
